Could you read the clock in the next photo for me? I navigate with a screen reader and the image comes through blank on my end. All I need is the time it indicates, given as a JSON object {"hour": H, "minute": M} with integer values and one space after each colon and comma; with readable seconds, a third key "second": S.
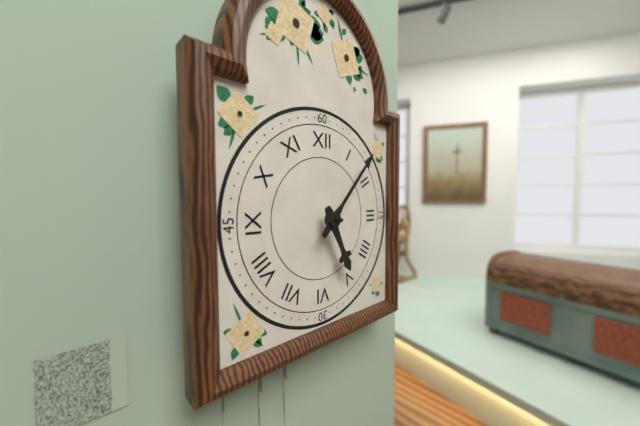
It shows {"hour": 5, "minute": 7}
